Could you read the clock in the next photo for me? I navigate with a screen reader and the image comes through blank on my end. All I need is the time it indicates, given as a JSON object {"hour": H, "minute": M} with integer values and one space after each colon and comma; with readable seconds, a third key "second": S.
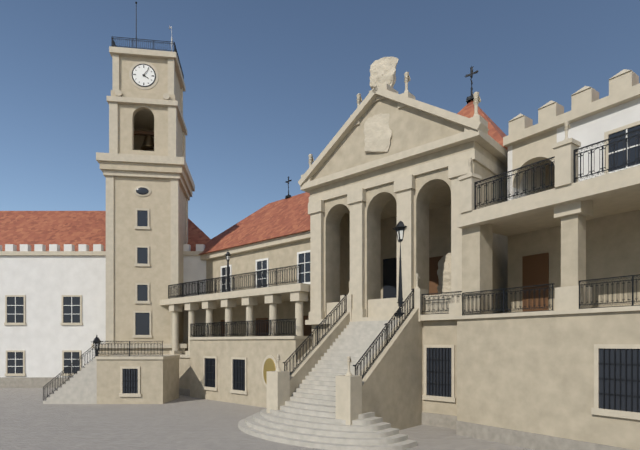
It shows {"hour": 4, "minute": 6}
